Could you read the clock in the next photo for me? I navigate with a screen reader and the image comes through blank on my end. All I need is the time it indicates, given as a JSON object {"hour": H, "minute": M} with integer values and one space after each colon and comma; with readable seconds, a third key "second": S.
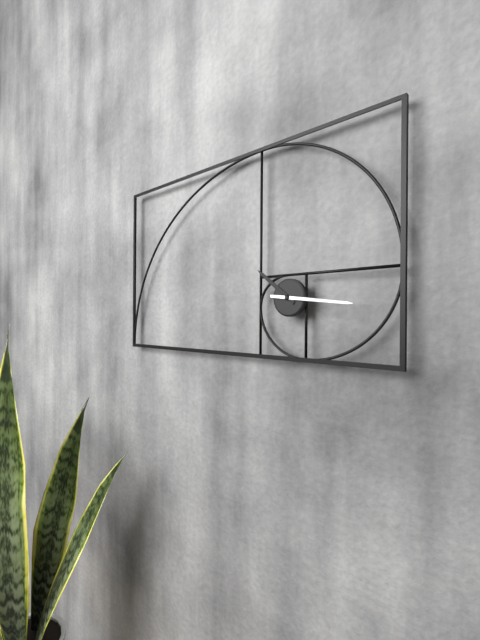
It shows {"hour": 10, "minute": 16}
